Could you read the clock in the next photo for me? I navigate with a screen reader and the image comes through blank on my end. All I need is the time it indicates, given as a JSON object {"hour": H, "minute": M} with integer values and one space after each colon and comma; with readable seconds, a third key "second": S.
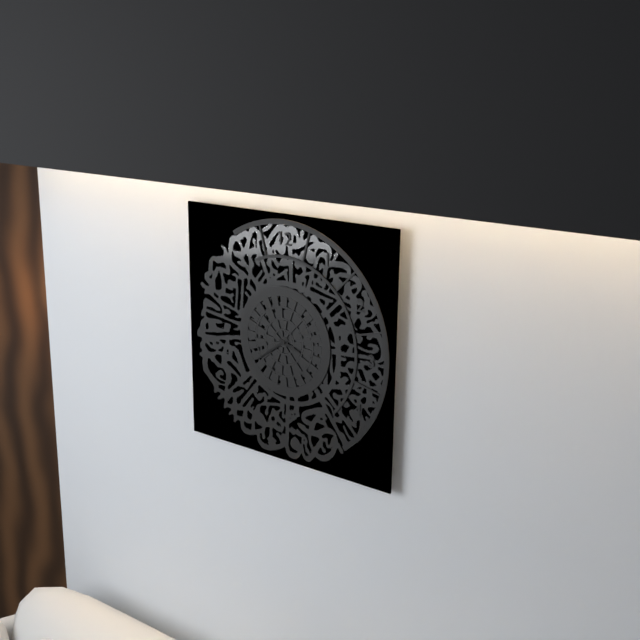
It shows {"hour": 3, "minute": 39}
